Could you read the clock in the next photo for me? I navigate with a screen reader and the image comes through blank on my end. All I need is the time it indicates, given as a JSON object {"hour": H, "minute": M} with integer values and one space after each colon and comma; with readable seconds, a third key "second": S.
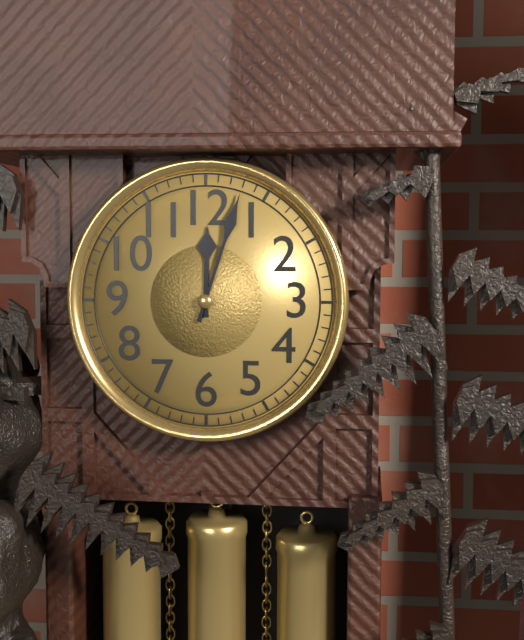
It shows {"hour": 12, "minute": 3}
